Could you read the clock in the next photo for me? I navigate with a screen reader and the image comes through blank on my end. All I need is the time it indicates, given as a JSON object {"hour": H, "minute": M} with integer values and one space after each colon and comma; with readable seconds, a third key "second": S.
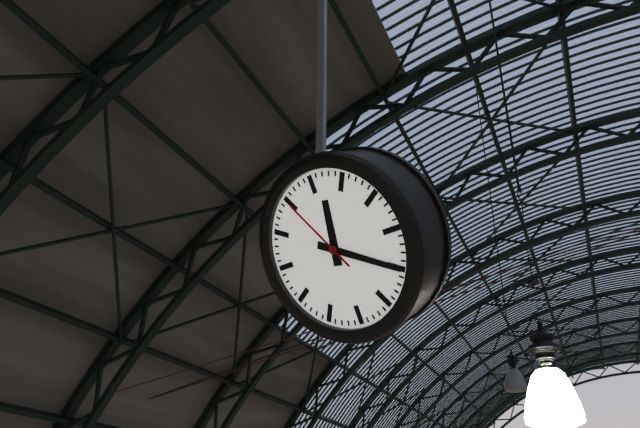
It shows {"hour": 12, "minute": 20, "second": 55}
